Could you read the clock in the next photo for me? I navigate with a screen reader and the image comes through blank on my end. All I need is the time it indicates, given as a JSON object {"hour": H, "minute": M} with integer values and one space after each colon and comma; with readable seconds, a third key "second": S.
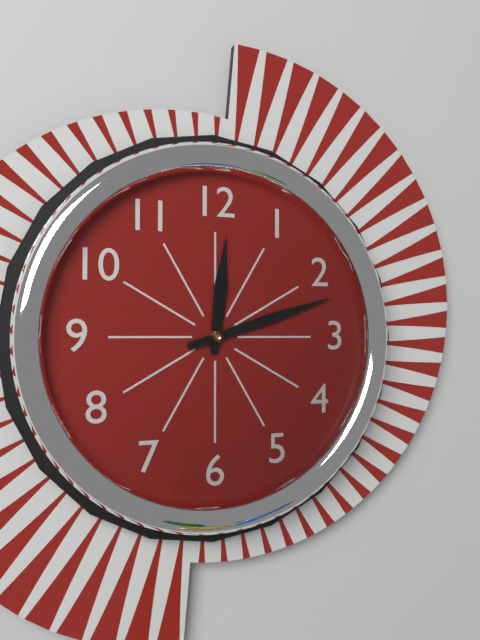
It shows {"hour": 12, "minute": 12}
